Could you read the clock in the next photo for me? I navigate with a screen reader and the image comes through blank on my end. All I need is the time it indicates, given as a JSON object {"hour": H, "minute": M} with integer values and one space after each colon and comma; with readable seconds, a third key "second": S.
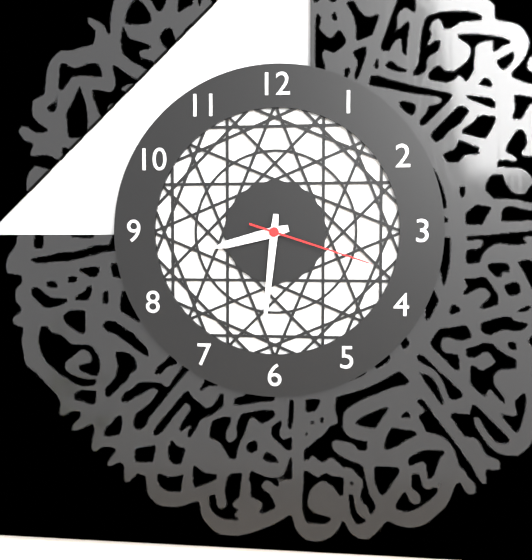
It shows {"hour": 8, "minute": 31, "second": 18}
